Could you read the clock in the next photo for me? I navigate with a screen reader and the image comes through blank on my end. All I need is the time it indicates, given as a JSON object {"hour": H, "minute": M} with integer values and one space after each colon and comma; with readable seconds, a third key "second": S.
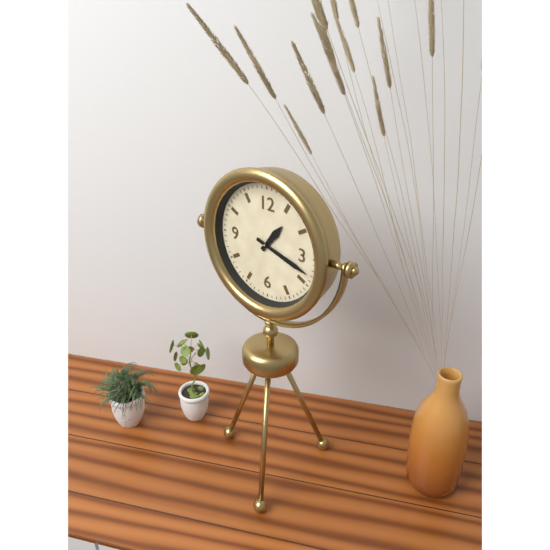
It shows {"hour": 1, "minute": 18}
